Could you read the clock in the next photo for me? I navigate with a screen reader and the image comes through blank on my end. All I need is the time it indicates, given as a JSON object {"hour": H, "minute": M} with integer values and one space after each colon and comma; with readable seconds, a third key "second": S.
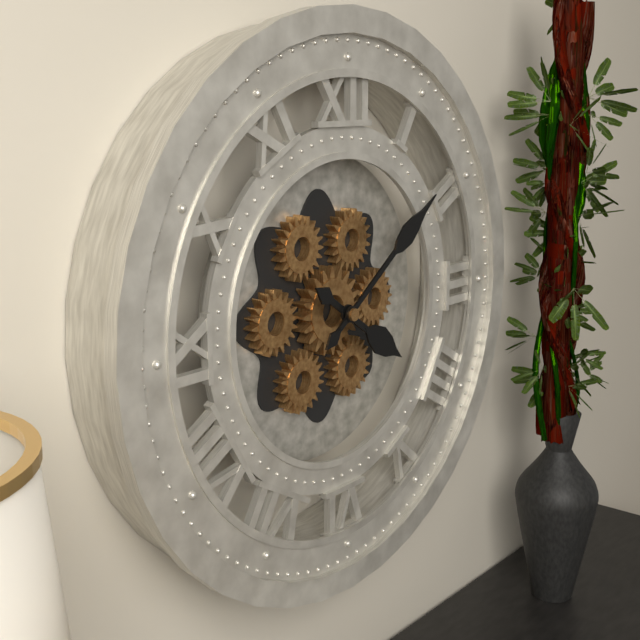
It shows {"hour": 4, "minute": 9}
